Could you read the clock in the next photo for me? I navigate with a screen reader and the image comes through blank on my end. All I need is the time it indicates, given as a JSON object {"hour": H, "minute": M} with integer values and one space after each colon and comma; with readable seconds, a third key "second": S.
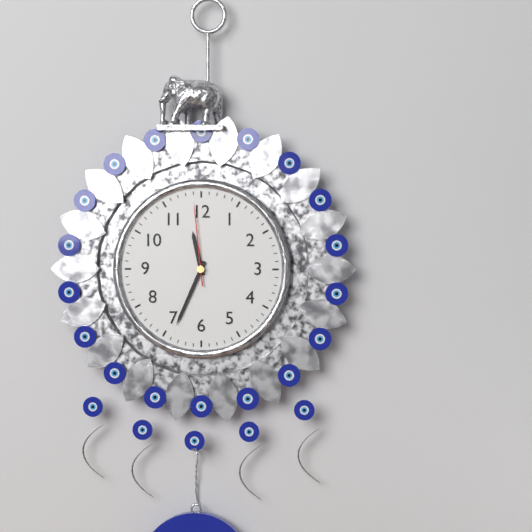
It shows {"hour": 11, "minute": 34, "second": 59}
